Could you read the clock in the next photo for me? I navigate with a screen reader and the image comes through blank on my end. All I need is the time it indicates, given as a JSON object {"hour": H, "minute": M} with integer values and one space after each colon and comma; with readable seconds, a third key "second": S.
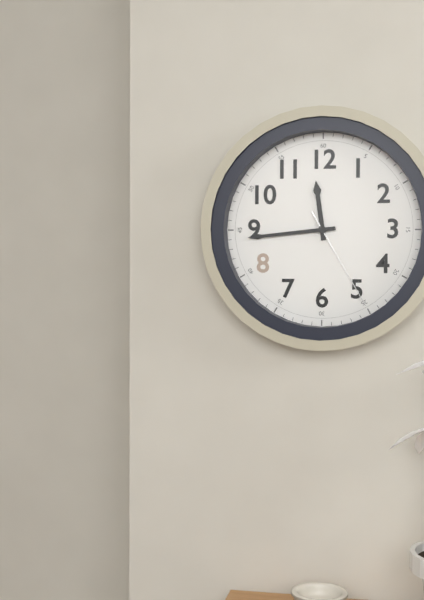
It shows {"hour": 11, "minute": 44, "second": 25}
